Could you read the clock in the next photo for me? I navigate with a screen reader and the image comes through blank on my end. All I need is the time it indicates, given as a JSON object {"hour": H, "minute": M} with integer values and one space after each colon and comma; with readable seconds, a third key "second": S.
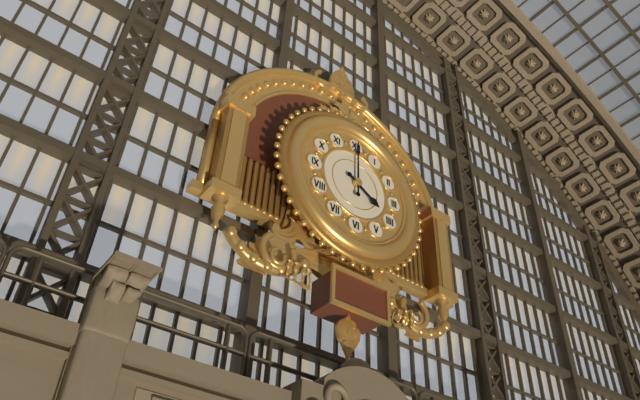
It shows {"hour": 4, "minute": 0}
